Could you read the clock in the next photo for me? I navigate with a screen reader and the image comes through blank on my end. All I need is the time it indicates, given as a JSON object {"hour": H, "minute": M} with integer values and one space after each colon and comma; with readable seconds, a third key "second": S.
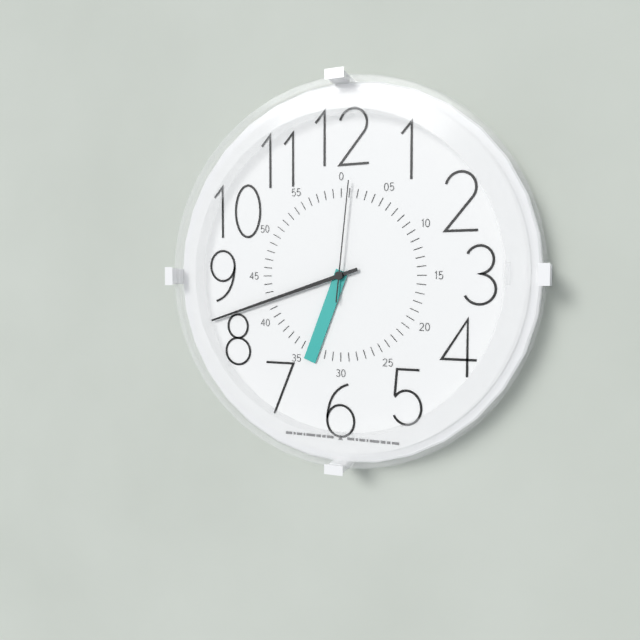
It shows {"hour": 6, "minute": 42, "second": 1}
